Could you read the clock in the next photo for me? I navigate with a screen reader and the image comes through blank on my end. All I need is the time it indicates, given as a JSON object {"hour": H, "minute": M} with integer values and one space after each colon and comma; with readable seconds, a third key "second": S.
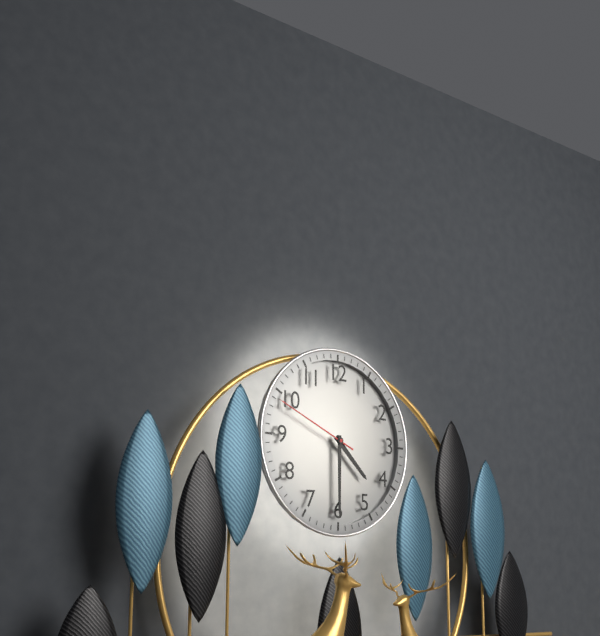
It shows {"hour": 4, "minute": 30, "second": 49}
